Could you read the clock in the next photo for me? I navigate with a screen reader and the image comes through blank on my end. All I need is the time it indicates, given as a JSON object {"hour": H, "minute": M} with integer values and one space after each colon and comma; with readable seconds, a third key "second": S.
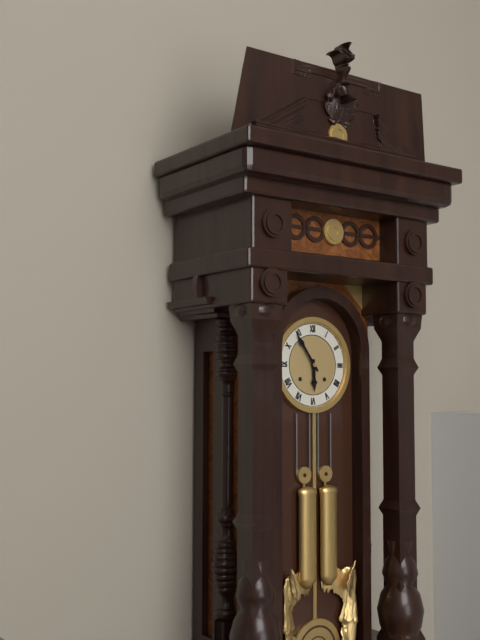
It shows {"hour": 5, "minute": 54}
